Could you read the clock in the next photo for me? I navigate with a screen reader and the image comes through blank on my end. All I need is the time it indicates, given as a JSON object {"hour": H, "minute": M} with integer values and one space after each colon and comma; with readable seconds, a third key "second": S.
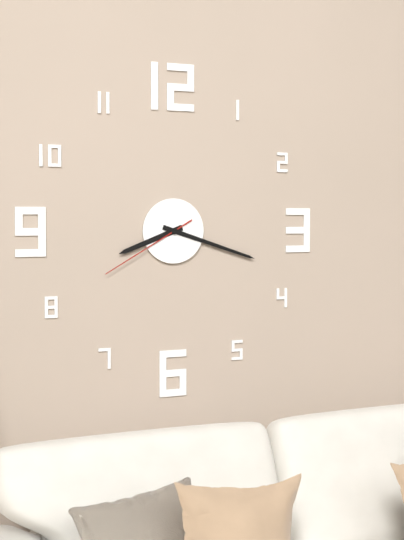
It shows {"hour": 8, "minute": 18, "second": 40}
